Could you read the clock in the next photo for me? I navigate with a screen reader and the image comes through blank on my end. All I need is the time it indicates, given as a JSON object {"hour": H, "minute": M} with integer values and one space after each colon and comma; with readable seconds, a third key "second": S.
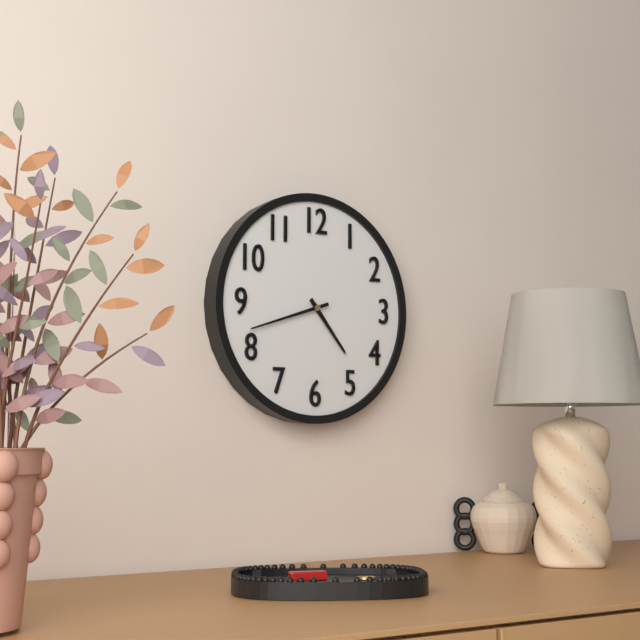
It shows {"hour": 4, "minute": 42}
